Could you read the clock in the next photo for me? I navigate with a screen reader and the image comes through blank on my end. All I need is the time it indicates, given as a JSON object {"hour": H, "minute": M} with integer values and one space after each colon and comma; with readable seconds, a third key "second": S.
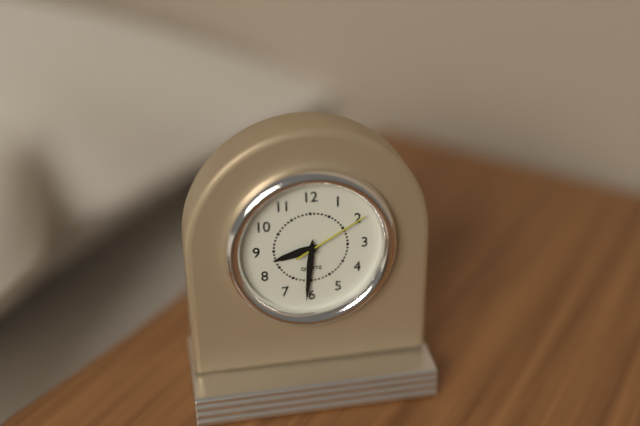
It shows {"hour": 8, "minute": 31, "second": 10}
